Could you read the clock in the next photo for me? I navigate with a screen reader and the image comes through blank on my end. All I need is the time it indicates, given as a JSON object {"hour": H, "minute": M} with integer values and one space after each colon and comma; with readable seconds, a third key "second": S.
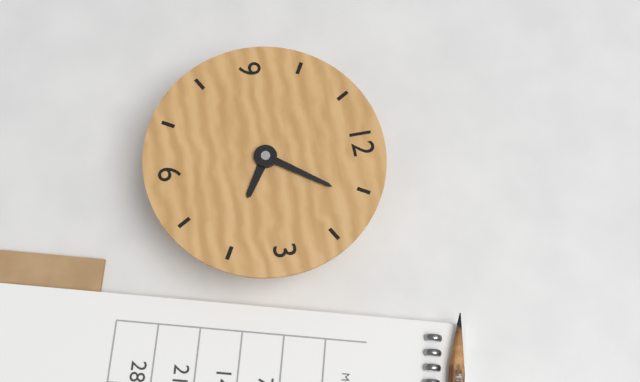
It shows {"hour": 4, "minute": 6}
